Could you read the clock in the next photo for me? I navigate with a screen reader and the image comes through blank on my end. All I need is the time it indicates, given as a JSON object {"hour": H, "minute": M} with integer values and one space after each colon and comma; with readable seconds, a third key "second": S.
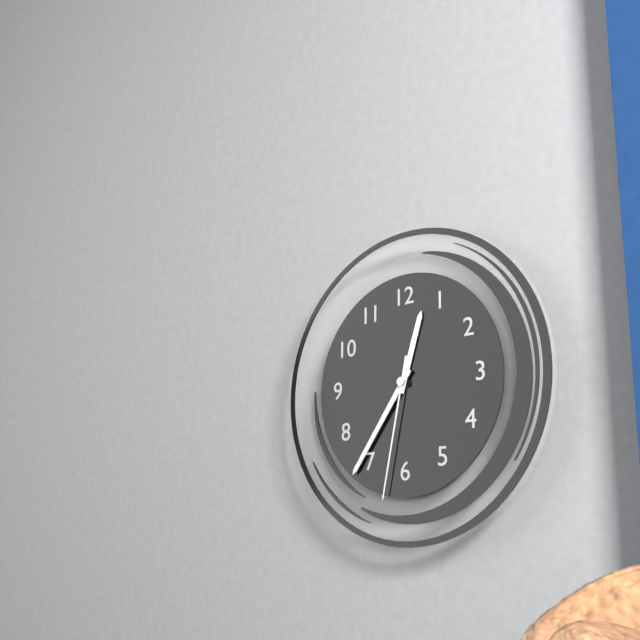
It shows {"hour": 12, "minute": 36, "second": 32}
